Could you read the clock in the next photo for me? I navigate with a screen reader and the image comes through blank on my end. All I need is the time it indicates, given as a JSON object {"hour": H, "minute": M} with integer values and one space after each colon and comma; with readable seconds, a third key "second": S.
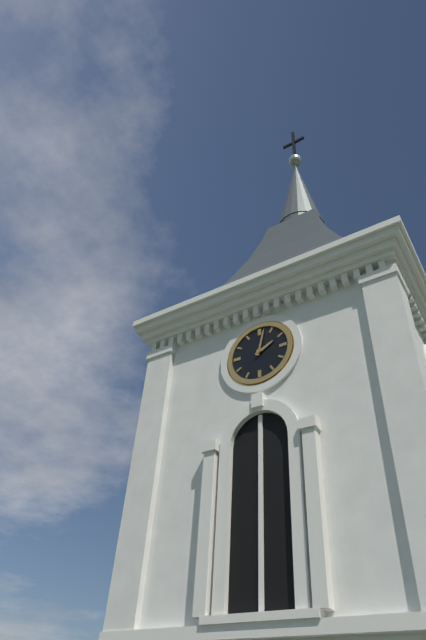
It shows {"hour": 2, "minute": 2}
